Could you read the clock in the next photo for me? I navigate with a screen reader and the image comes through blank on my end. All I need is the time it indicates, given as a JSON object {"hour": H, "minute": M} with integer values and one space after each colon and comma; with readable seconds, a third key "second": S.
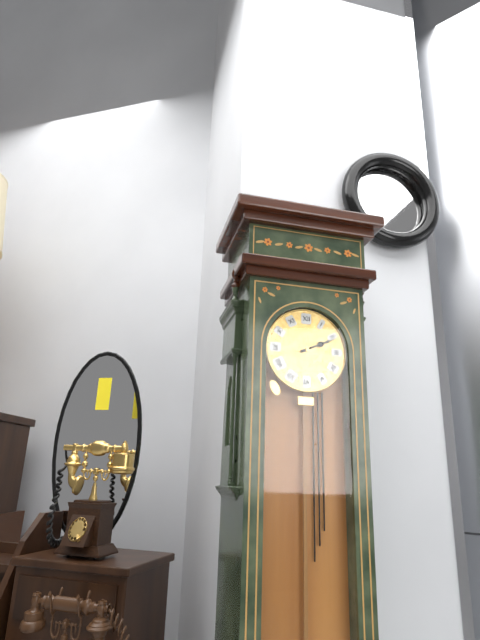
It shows {"hour": 2, "minute": 11}
